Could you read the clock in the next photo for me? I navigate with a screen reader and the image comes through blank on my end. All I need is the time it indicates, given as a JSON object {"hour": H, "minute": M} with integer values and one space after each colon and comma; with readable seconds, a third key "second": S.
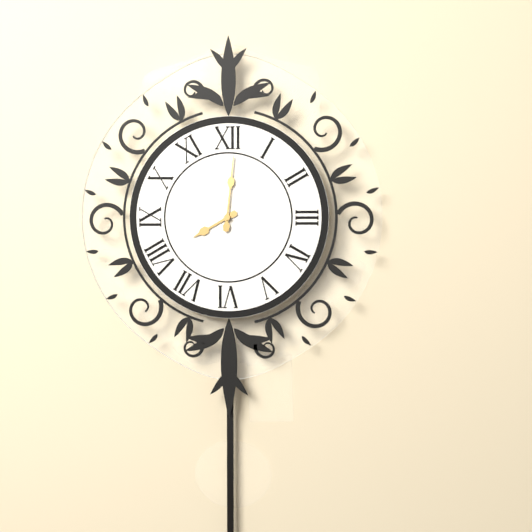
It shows {"hour": 8, "minute": 1}
